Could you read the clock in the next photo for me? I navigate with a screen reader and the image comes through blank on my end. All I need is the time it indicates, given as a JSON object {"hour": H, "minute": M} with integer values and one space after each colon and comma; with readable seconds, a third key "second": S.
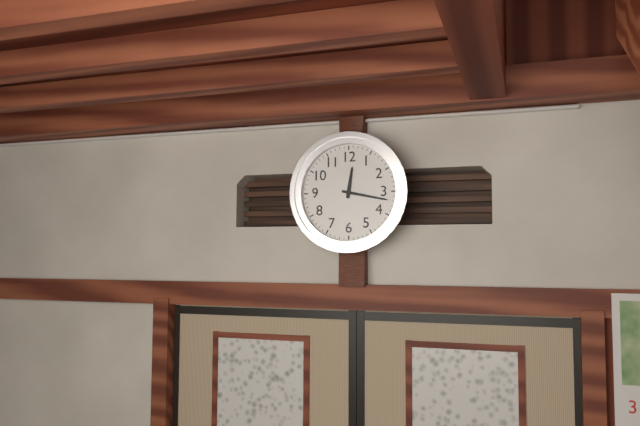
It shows {"hour": 12, "minute": 17}
